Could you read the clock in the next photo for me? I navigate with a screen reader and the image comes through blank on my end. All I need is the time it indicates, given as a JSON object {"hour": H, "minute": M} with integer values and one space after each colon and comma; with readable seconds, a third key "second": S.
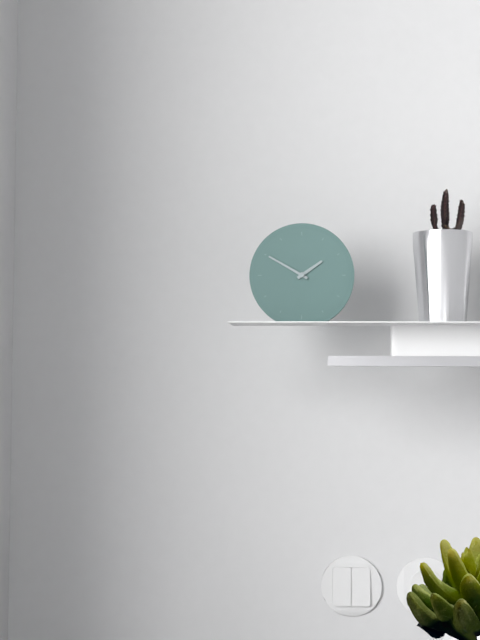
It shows {"hour": 1, "minute": 50}
